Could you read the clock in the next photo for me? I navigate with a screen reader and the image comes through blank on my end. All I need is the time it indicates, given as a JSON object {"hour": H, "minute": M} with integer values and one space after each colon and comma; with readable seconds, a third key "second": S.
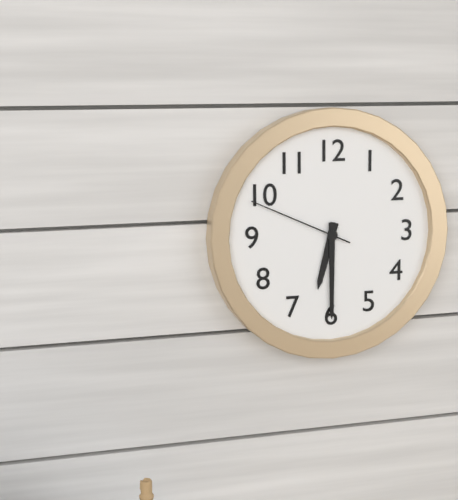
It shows {"hour": 6, "minute": 30, "second": 49}
